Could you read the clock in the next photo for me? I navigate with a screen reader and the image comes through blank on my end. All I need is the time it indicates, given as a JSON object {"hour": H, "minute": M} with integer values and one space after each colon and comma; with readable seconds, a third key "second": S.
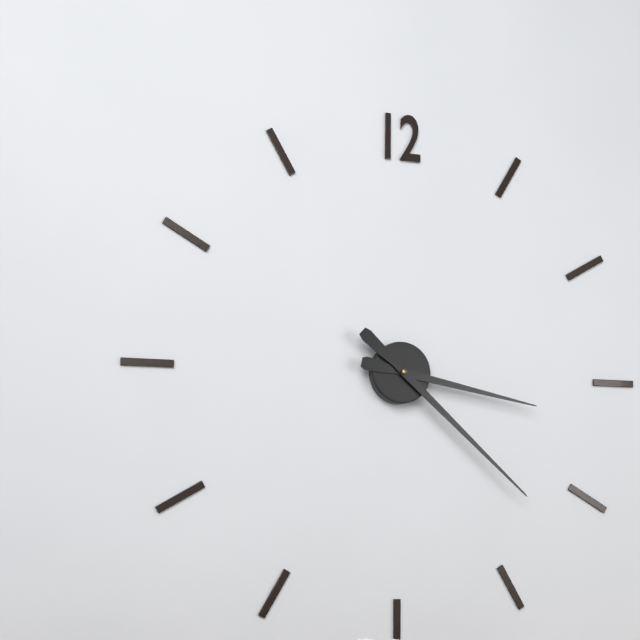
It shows {"hour": 3, "minute": 22}
